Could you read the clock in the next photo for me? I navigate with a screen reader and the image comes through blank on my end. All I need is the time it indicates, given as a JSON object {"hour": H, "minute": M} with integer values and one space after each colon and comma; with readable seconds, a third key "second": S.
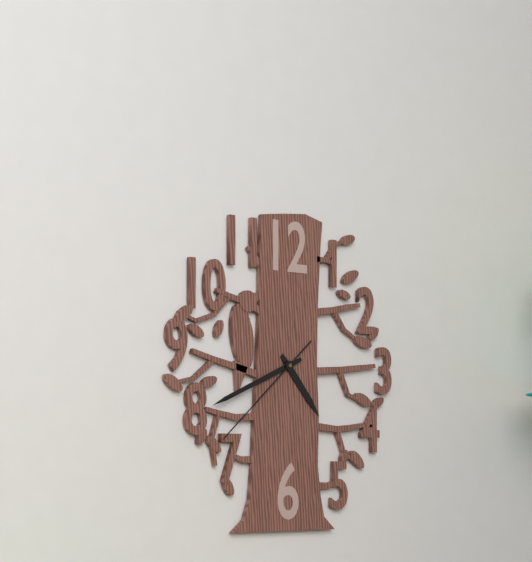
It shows {"hour": 4, "minute": 41, "second": 38}
